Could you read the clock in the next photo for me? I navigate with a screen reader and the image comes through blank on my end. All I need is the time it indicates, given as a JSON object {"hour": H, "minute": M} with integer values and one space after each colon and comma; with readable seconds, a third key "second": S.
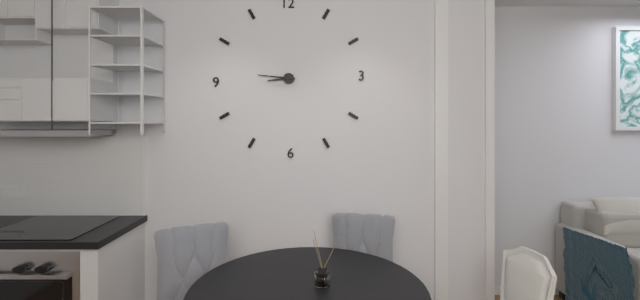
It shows {"hour": 8, "minute": 46}
